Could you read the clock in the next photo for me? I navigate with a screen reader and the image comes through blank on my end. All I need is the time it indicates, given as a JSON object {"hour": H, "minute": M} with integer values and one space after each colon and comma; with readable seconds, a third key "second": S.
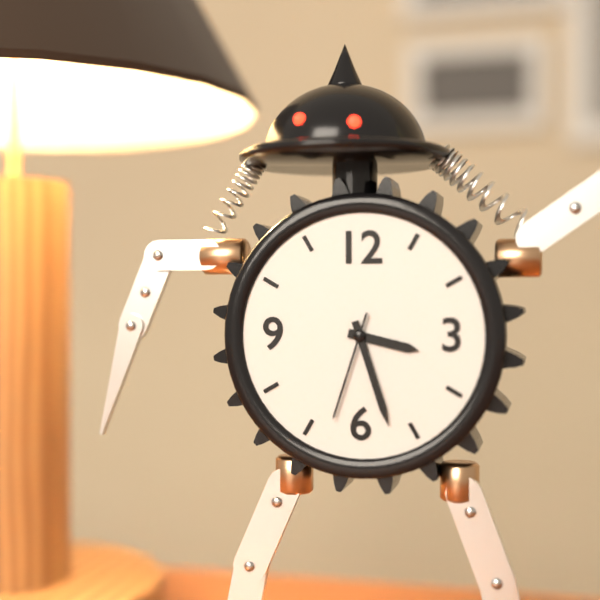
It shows {"hour": 3, "minute": 27, "second": 33}
